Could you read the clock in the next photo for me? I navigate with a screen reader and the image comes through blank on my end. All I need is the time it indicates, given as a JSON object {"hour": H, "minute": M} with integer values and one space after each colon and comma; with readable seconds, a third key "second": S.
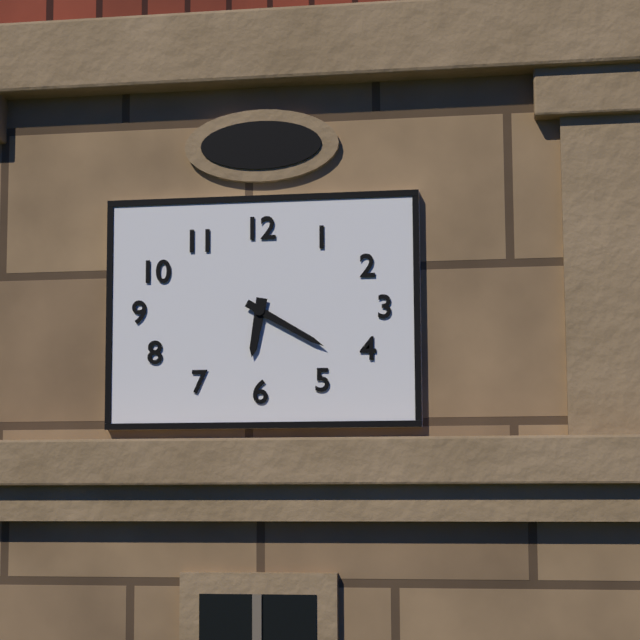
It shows {"hour": 6, "minute": 20}
